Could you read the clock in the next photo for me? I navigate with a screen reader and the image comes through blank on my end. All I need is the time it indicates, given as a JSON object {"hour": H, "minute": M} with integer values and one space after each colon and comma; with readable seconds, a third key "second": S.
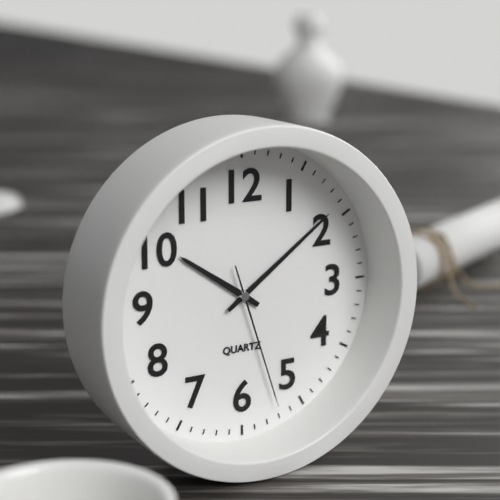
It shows {"hour": 10, "minute": 9, "second": 27}
